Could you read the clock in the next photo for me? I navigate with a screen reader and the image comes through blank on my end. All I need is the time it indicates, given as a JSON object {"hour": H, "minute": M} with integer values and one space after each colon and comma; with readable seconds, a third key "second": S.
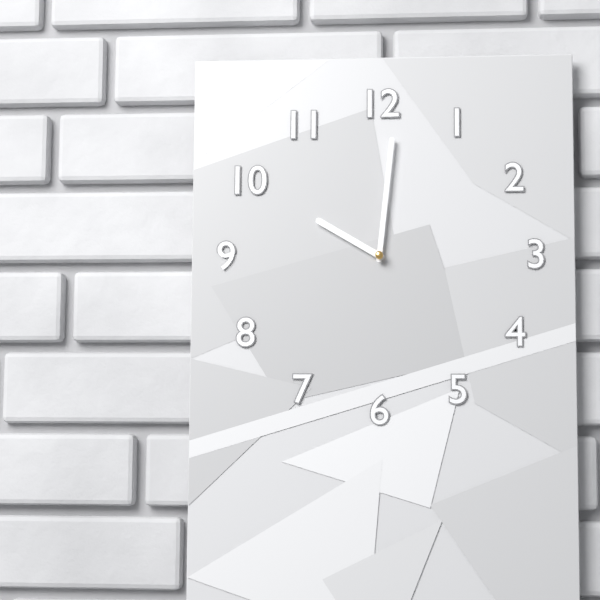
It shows {"hour": 10, "minute": 1}
